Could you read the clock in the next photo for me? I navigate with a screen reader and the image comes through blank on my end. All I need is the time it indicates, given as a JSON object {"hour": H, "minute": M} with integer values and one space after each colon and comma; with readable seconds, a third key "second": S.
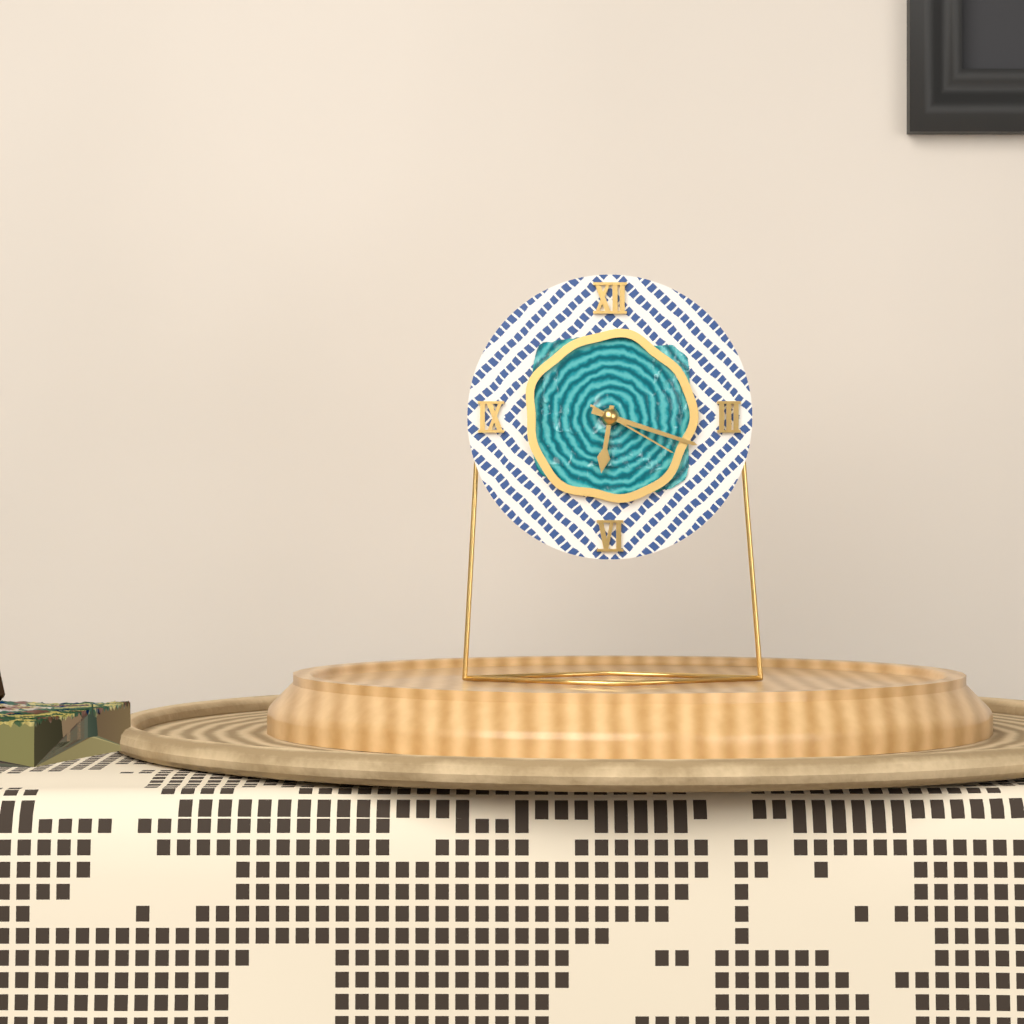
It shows {"hour": 6, "minute": 18, "second": 20}
